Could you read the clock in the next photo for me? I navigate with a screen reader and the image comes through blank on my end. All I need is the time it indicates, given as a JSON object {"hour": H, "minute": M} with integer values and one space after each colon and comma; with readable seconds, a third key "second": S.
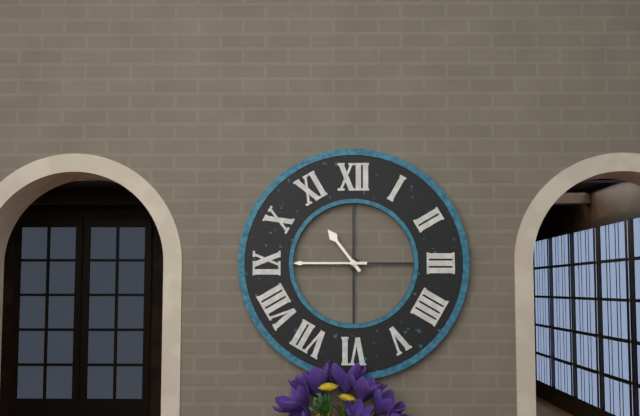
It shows {"hour": 10, "minute": 45}
